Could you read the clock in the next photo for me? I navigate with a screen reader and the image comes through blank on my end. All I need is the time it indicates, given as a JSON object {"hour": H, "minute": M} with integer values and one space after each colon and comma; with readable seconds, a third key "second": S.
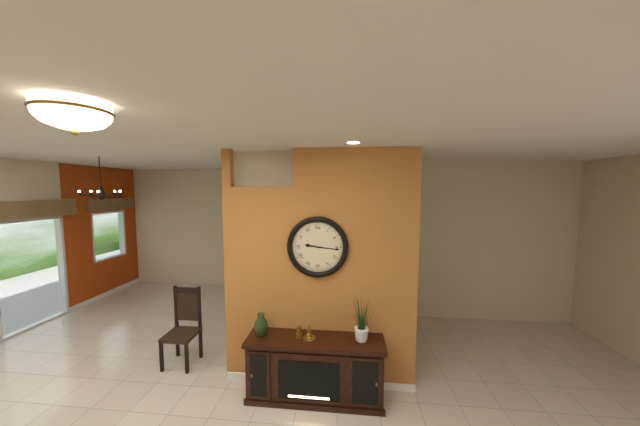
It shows {"hour": 9, "minute": 16}
